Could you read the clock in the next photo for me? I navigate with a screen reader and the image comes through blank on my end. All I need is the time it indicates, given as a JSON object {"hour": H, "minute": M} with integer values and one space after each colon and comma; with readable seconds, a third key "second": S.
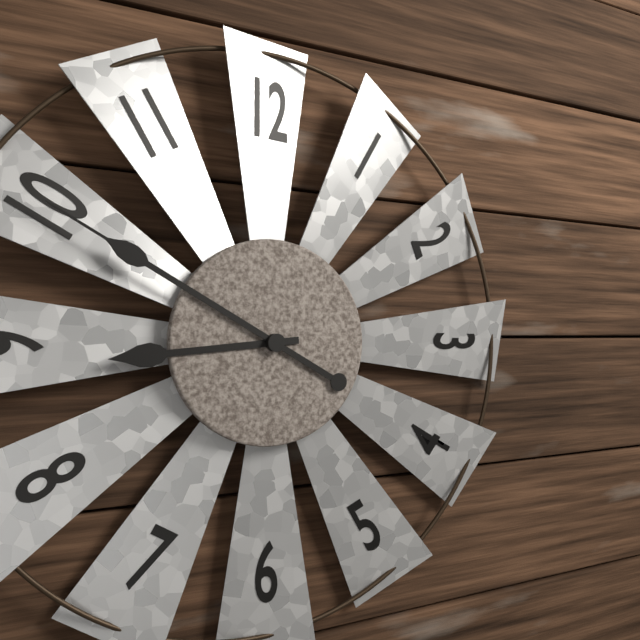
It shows {"hour": 8, "minute": 50}
